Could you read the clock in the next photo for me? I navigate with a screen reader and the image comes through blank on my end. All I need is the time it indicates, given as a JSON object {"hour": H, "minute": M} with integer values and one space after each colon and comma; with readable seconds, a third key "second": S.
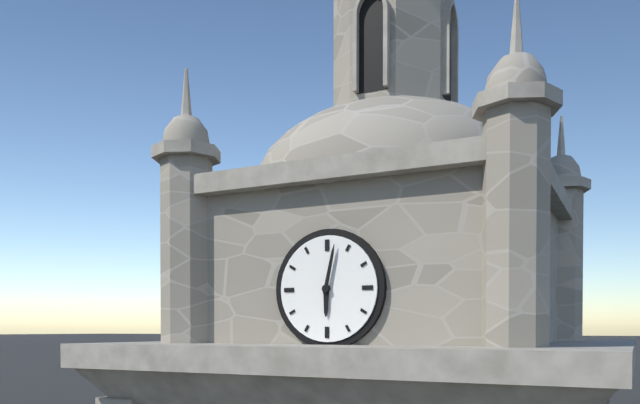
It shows {"hour": 6, "minute": 2}
